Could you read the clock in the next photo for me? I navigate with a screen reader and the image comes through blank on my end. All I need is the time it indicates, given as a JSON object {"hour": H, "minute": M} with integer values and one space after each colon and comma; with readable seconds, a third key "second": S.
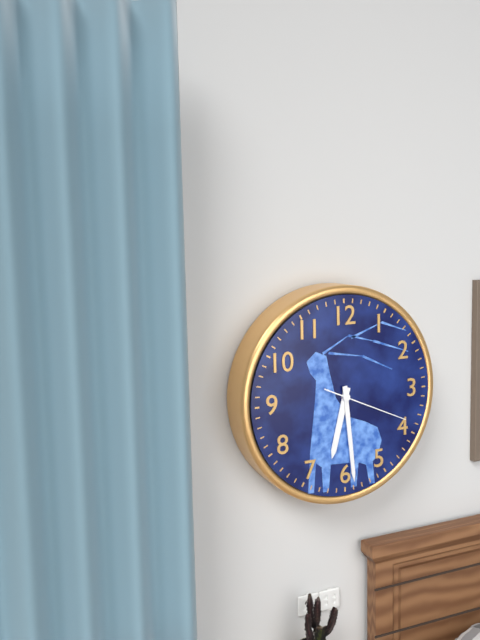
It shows {"hour": 6, "minute": 29, "second": 19}
